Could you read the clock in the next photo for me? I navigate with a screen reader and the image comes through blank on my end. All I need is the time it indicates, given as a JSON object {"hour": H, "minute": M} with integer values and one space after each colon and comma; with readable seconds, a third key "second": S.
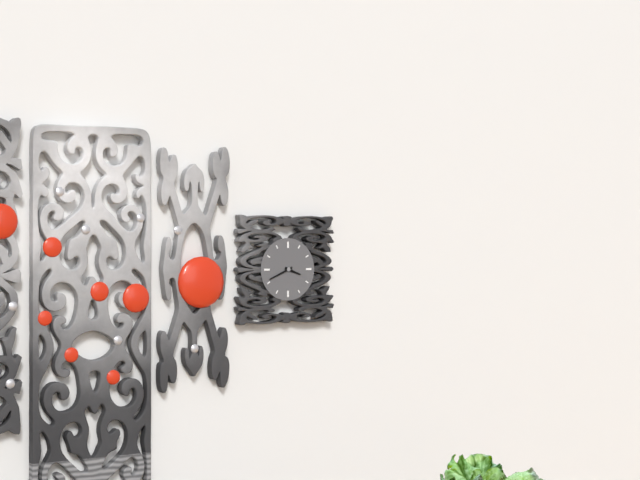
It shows {"hour": 3, "minute": 41}
